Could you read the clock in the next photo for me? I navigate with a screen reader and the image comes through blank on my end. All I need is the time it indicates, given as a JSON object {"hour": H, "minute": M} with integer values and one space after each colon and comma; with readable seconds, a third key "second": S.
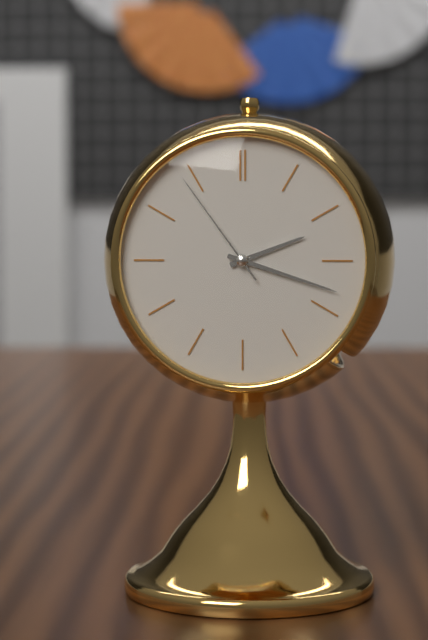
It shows {"hour": 2, "minute": 18, "second": 54}
